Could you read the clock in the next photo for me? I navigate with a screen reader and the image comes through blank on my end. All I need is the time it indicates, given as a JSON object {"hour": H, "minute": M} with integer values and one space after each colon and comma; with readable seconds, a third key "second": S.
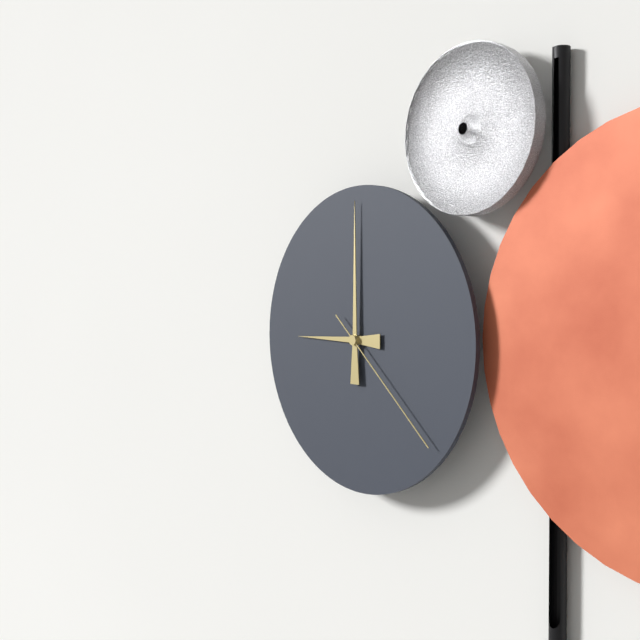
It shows {"hour": 9, "minute": 0, "second": 22}
